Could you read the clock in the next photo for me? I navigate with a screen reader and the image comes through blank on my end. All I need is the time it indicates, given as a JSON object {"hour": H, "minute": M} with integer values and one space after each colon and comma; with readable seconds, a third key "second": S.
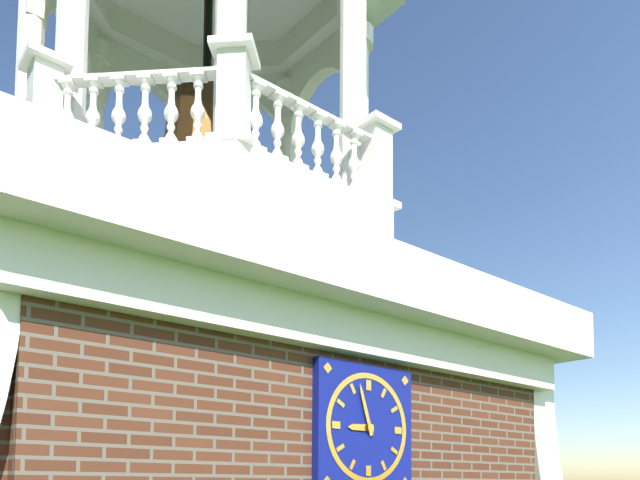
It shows {"hour": 8, "minute": 57}
